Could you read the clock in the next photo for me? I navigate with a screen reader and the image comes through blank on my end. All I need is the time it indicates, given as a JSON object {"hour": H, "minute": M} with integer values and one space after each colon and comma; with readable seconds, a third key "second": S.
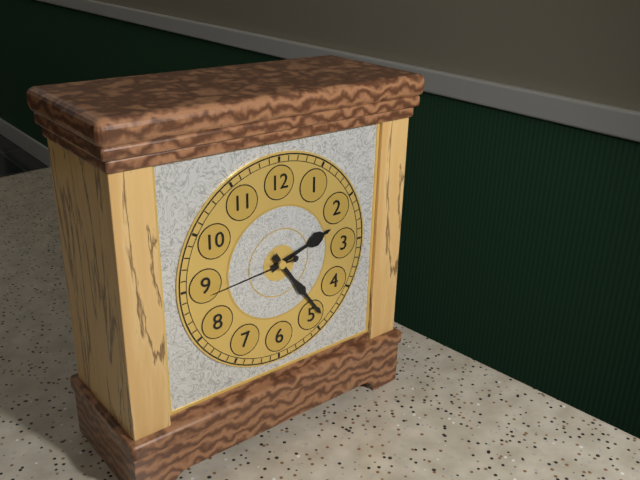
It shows {"hour": 2, "minute": 24, "second": 44}
